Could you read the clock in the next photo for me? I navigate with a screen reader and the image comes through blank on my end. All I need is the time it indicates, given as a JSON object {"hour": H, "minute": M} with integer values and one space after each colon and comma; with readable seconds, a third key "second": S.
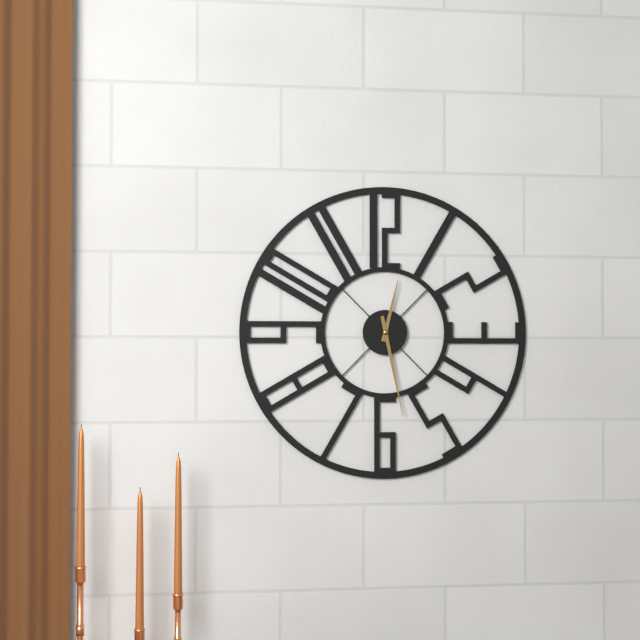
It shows {"hour": 12, "minute": 28}
